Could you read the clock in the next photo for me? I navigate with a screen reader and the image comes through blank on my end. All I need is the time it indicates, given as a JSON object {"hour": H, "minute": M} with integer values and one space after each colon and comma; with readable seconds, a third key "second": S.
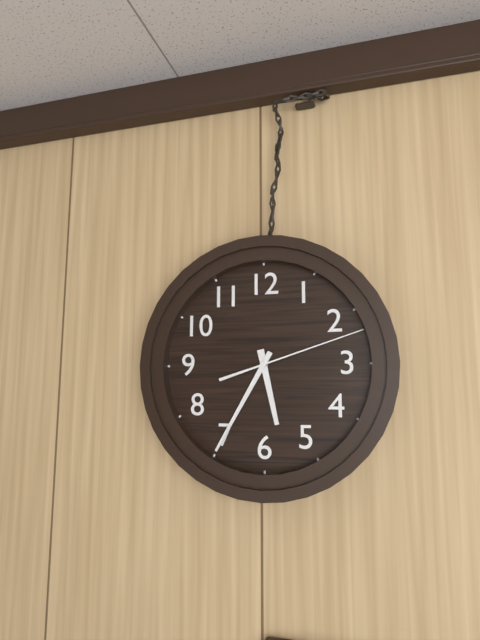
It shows {"hour": 5, "minute": 35, "second": 12}
